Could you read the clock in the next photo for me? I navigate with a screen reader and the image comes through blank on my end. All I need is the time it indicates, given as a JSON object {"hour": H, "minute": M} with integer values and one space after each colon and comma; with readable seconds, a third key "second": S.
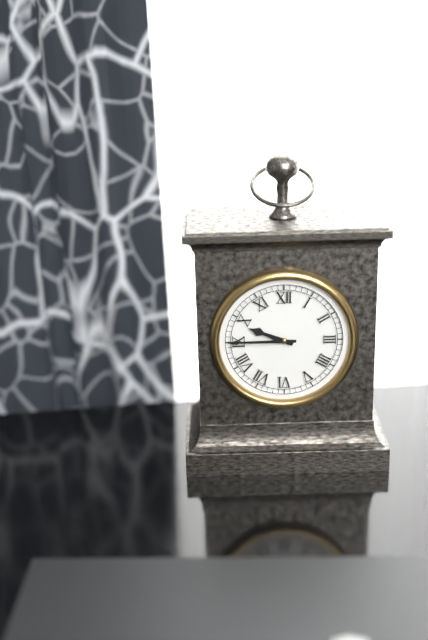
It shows {"hour": 9, "minute": 45}
